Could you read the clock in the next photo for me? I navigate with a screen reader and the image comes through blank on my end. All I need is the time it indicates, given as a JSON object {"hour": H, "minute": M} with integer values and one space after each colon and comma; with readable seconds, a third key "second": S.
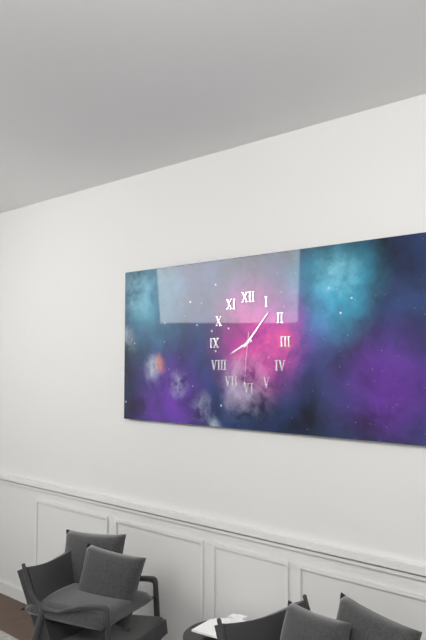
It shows {"hour": 8, "minute": 7, "second": 31}
